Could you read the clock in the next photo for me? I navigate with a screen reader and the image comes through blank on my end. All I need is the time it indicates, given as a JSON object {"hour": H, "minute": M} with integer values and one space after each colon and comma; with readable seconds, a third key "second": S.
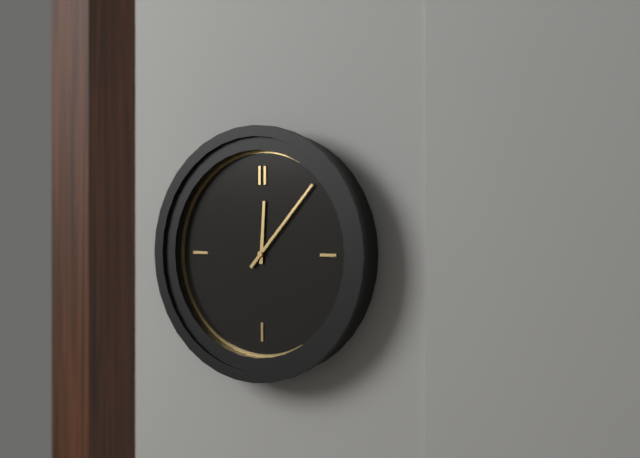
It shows {"hour": 12, "minute": 7}
